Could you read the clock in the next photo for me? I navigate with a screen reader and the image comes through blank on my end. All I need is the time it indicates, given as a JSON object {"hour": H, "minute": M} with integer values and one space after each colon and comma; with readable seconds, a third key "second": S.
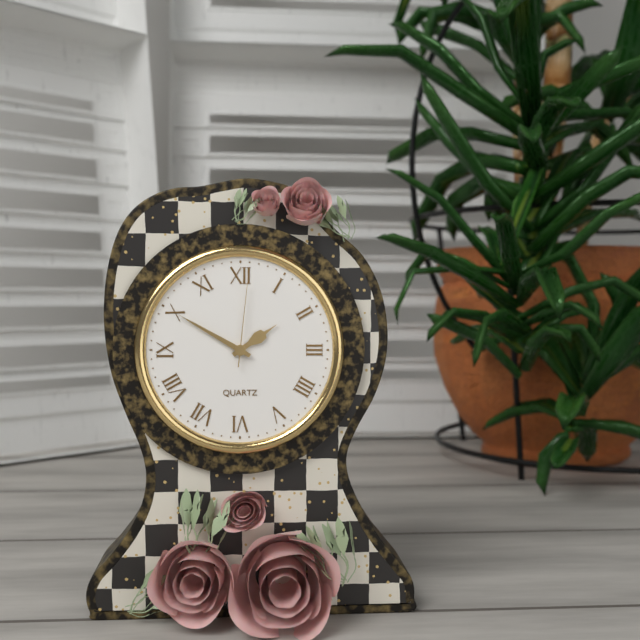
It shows {"hour": 1, "minute": 50, "second": 1}
